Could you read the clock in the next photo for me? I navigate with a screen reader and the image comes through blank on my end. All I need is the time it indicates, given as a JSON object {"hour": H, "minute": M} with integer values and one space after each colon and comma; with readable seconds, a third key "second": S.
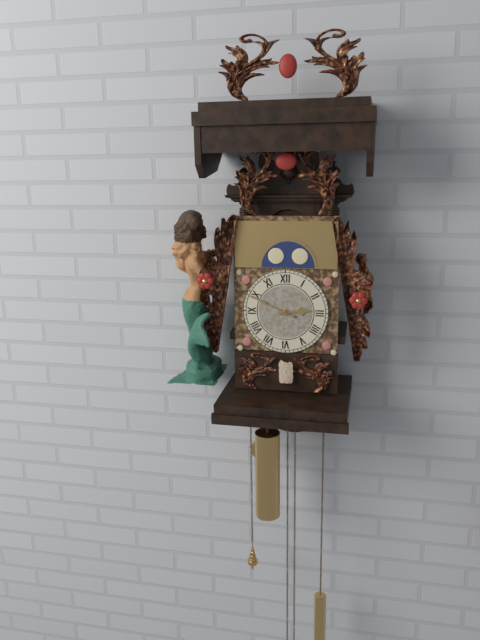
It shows {"hour": 2, "minute": 49}
